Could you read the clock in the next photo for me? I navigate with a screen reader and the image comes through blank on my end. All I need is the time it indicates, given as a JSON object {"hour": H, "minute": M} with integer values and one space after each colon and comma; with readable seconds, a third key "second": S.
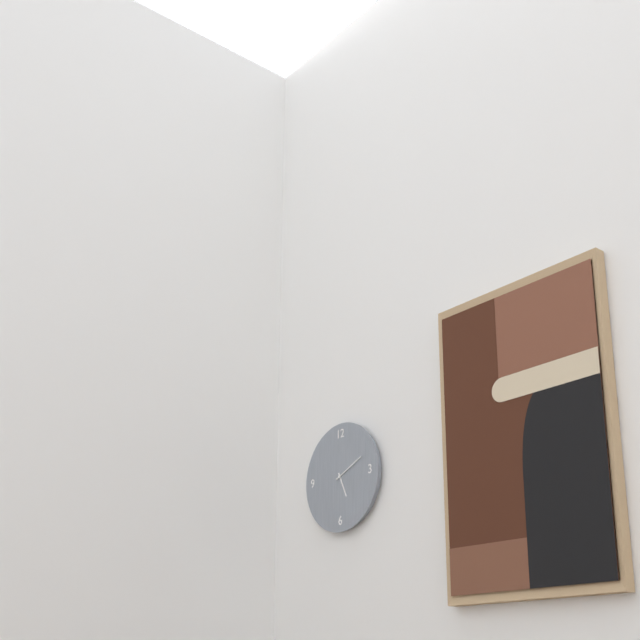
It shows {"hour": 5, "minute": 11}
